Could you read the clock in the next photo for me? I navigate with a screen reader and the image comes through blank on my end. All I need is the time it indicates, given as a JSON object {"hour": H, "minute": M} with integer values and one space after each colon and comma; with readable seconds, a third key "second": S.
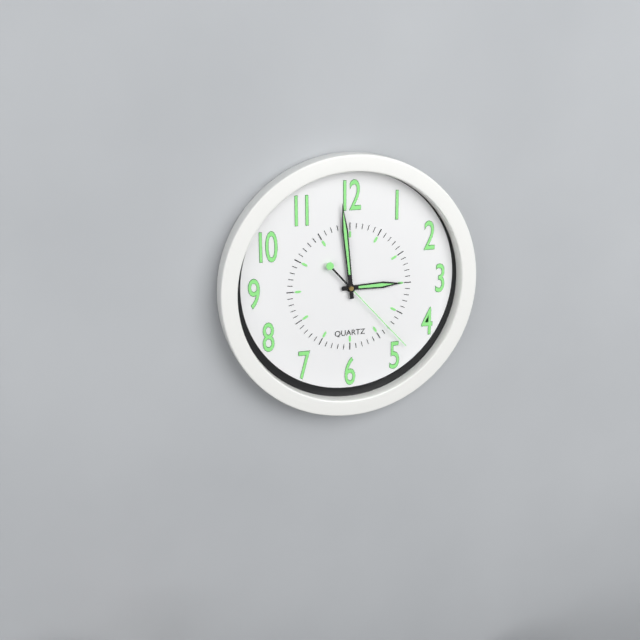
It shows {"hour": 2, "minute": 59, "second": 23}
